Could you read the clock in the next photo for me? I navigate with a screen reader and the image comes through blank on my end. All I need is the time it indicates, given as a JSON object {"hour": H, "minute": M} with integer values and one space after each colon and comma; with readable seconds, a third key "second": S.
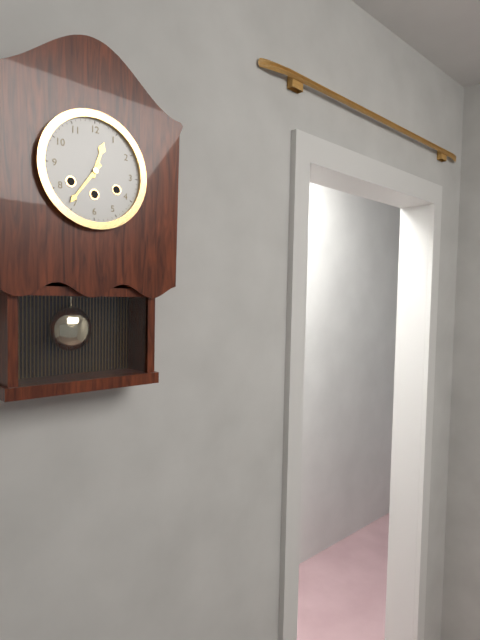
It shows {"hour": 12, "minute": 36}
